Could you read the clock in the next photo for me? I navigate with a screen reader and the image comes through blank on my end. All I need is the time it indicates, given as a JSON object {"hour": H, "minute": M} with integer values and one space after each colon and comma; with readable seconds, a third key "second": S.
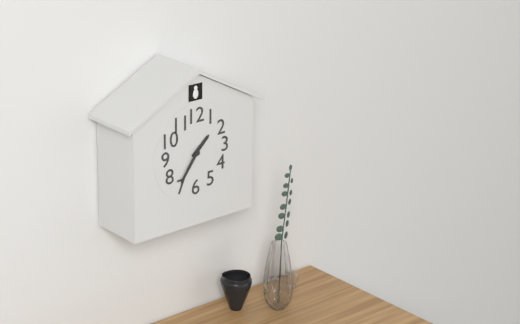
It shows {"hour": 1, "minute": 36}
